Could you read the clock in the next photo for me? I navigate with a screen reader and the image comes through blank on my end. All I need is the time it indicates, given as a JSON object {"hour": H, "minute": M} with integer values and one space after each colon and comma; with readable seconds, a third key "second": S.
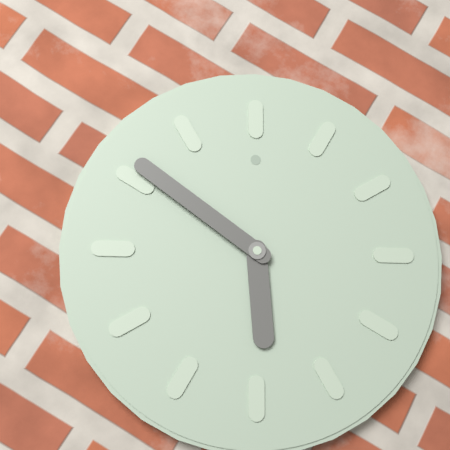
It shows {"hour": 5, "minute": 51}
